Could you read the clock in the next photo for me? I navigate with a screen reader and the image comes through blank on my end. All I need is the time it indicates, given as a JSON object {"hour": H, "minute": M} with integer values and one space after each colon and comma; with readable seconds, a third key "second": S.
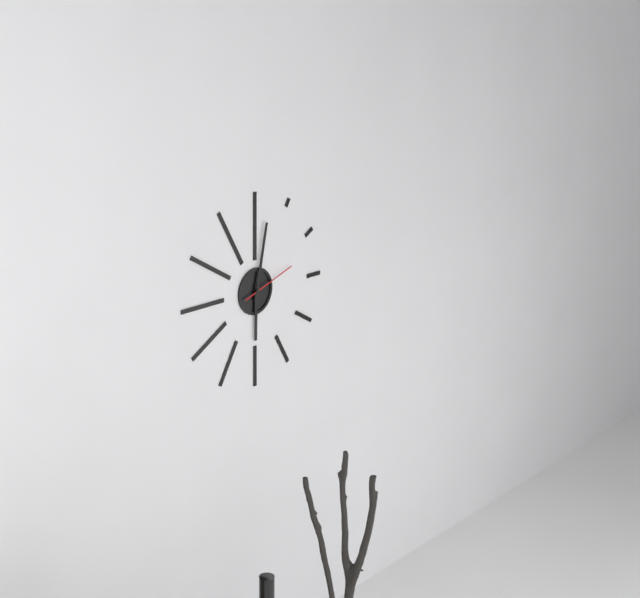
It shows {"hour": 6, "minute": 2, "second": 12}
